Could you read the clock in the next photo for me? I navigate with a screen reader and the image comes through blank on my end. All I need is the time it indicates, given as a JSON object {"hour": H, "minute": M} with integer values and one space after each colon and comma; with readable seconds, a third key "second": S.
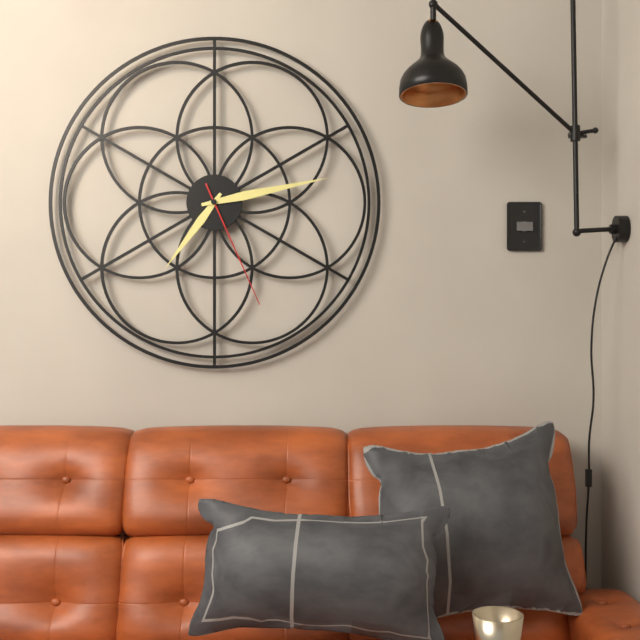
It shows {"hour": 7, "minute": 13, "second": 26}
